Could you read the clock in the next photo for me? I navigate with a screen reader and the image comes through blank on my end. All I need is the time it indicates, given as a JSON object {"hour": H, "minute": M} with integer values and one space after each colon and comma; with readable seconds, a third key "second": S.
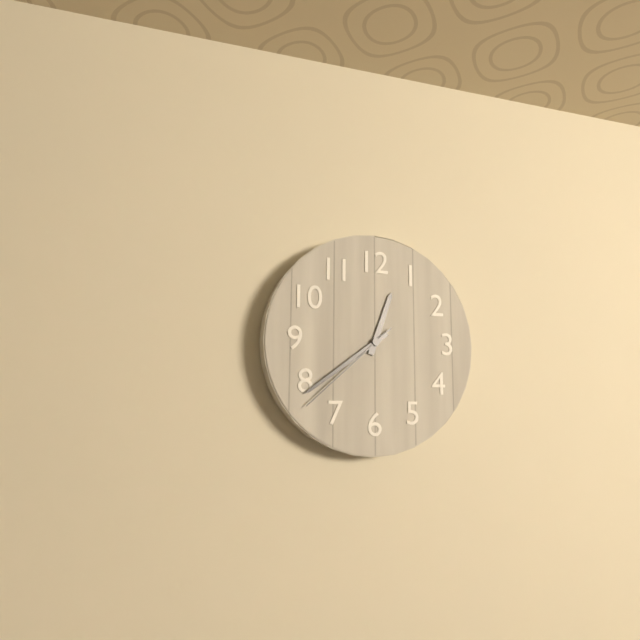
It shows {"hour": 12, "minute": 39, "second": 38}
